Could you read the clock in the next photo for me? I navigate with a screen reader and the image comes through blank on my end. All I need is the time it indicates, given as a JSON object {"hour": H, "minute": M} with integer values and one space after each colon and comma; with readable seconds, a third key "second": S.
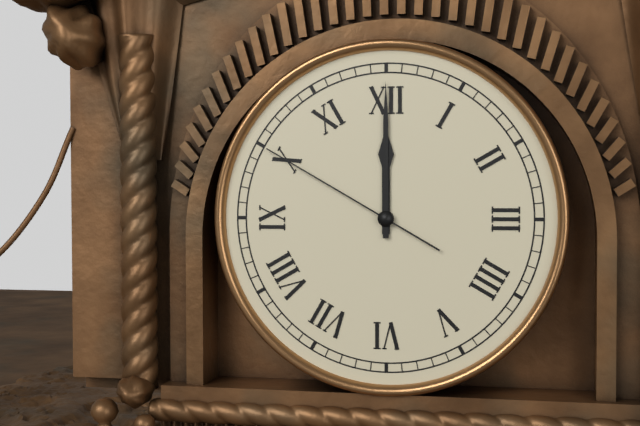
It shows {"hour": 12, "minute": 0, "second": 50}
